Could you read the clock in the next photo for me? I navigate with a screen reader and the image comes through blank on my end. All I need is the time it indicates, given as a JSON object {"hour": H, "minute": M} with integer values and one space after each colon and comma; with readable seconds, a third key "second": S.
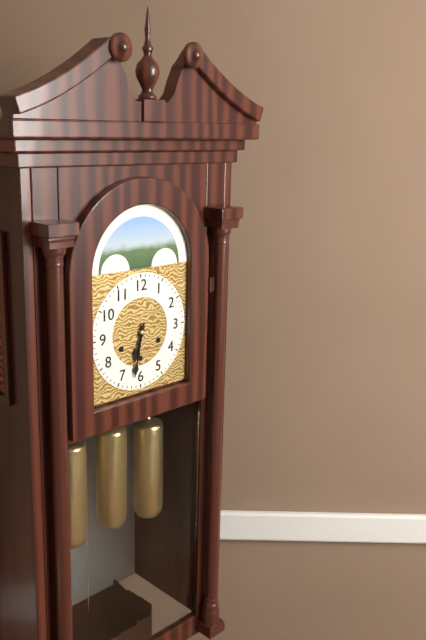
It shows {"hour": 6, "minute": 32}
